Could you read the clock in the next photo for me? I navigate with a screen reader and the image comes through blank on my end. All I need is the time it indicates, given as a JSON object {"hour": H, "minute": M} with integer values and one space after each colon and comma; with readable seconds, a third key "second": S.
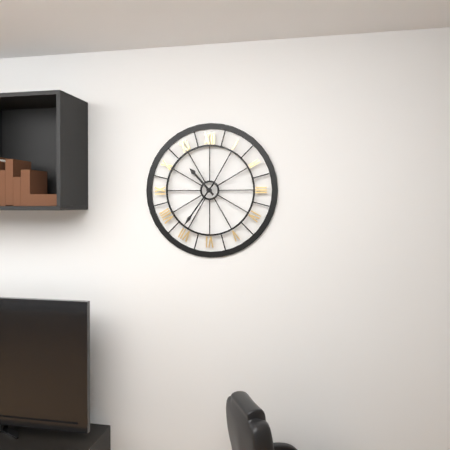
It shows {"hour": 10, "minute": 36}
